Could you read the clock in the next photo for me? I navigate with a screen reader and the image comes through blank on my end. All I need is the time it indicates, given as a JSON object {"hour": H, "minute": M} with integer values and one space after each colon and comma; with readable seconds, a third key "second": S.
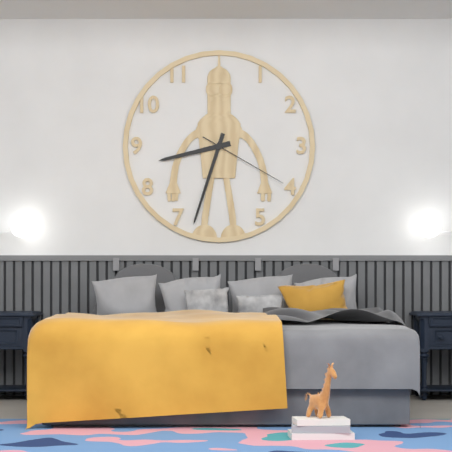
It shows {"hour": 8, "minute": 33, "second": 20}
